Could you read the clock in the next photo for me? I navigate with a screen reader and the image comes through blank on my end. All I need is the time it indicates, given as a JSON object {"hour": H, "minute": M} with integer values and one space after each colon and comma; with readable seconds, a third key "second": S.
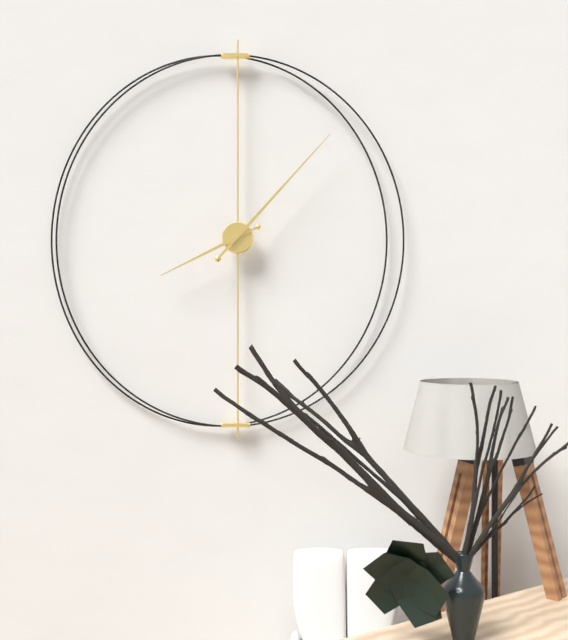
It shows {"hour": 8, "minute": 7}
